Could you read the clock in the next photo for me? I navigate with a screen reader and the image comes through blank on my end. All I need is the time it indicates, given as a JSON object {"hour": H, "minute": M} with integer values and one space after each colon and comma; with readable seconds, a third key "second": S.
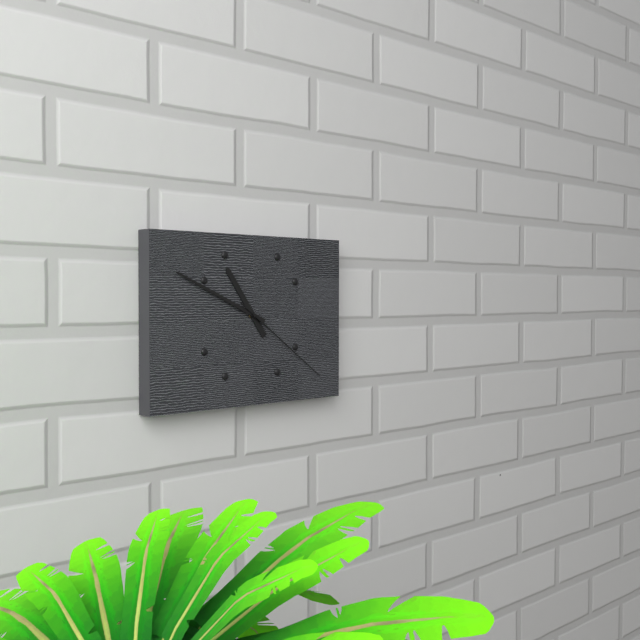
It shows {"hour": 10, "minute": 49, "second": 21}
